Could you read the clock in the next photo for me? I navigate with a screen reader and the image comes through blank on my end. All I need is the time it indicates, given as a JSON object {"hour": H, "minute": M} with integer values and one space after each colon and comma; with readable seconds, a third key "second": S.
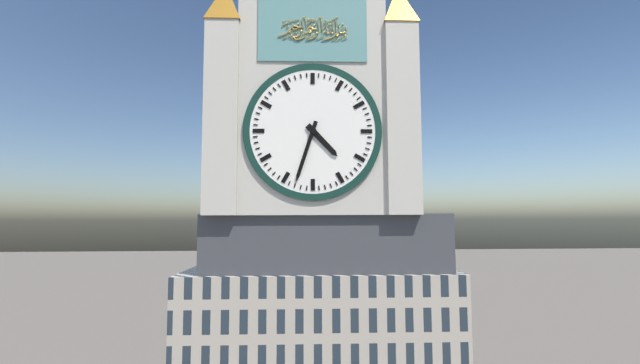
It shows {"hour": 4, "minute": 33}
